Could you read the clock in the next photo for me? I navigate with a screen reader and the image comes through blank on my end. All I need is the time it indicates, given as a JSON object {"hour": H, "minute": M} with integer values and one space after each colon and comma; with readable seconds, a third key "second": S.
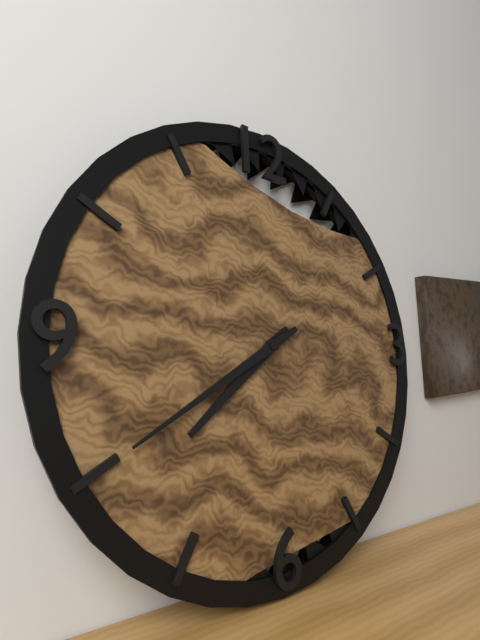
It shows {"hour": 7, "minute": 40}
